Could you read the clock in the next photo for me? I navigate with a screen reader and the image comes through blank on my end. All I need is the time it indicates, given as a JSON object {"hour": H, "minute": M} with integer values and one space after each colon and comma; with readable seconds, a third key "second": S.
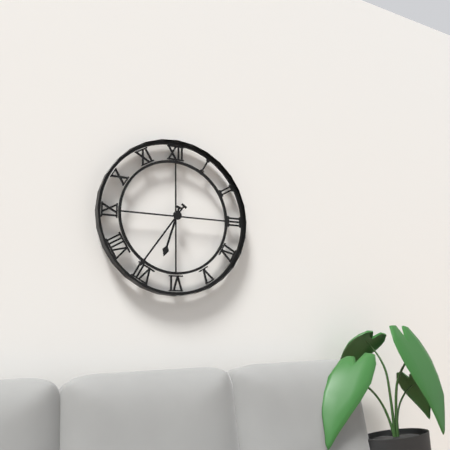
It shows {"hour": 6, "minute": 36}
